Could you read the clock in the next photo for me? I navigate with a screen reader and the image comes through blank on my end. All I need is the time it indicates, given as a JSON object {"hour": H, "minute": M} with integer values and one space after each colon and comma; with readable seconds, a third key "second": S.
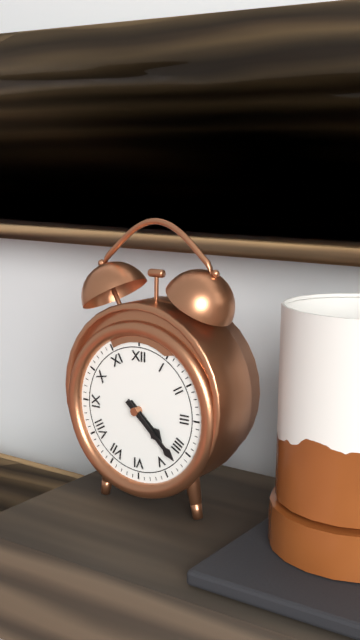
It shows {"hour": 4, "minute": 22}
